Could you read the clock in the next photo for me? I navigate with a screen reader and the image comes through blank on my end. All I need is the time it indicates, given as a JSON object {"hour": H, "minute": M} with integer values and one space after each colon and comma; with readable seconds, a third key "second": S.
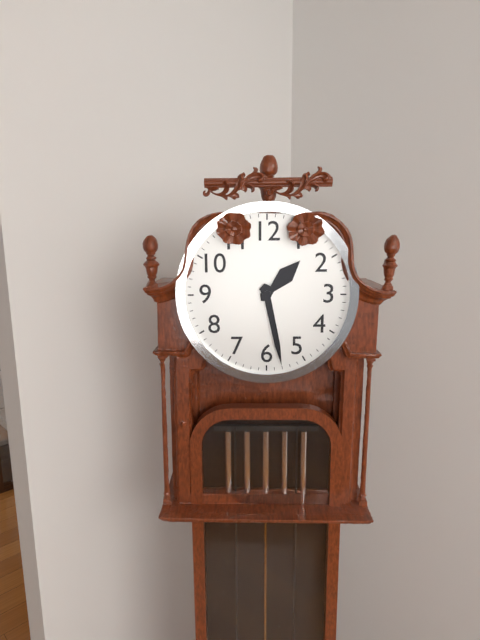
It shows {"hour": 1, "minute": 28}
